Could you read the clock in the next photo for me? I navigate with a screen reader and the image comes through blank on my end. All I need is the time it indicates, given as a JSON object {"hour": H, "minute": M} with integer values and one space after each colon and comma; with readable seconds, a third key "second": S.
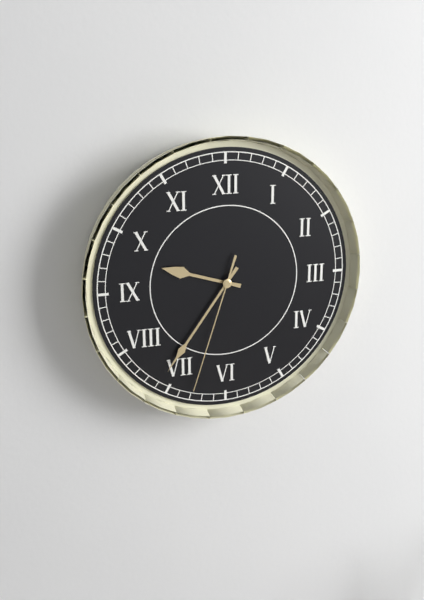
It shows {"hour": 9, "minute": 36, "second": 33}
